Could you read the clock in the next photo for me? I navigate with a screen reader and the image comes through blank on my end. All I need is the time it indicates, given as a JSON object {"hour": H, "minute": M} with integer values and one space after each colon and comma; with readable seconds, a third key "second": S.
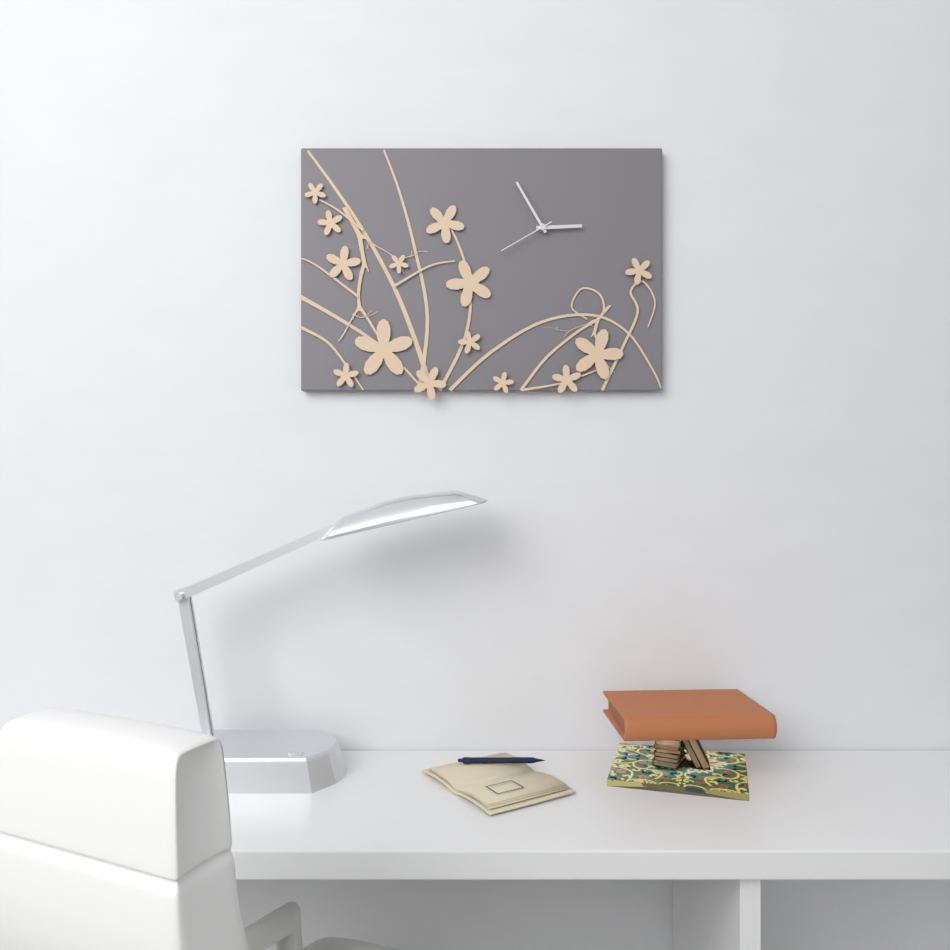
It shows {"hour": 2, "minute": 55, "second": 40}
